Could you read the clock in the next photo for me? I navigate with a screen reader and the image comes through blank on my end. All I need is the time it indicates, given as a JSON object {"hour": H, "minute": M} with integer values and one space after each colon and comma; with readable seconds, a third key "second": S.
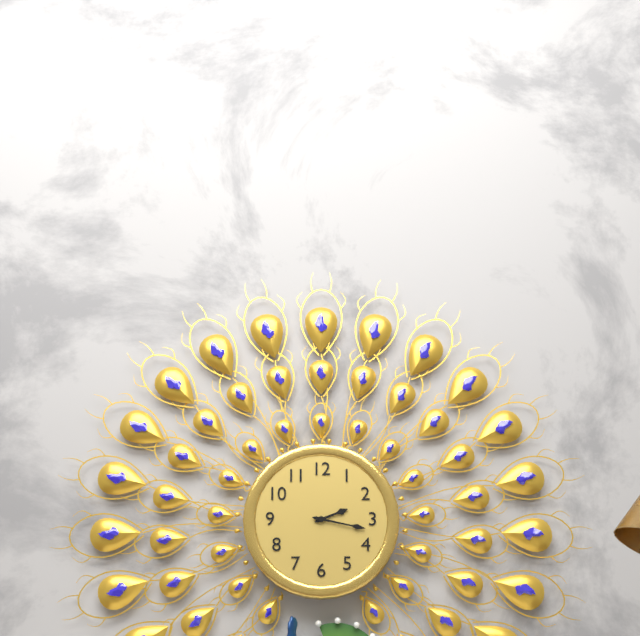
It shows {"hour": 2, "minute": 17}
